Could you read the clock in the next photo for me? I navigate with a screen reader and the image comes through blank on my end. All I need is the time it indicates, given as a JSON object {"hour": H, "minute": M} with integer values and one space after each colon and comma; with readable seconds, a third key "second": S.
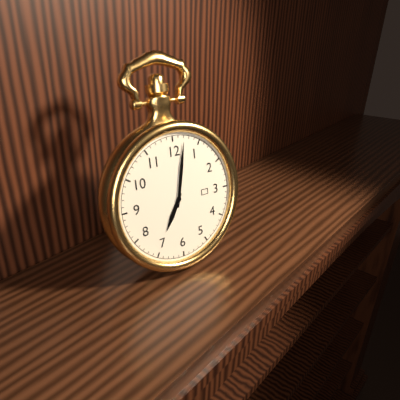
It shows {"hour": 7, "minute": 2}
